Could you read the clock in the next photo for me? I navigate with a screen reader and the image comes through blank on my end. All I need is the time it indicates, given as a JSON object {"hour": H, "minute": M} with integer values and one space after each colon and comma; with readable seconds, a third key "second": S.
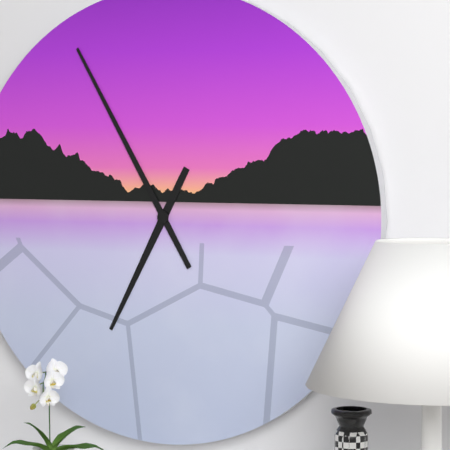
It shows {"hour": 6, "minute": 55}
